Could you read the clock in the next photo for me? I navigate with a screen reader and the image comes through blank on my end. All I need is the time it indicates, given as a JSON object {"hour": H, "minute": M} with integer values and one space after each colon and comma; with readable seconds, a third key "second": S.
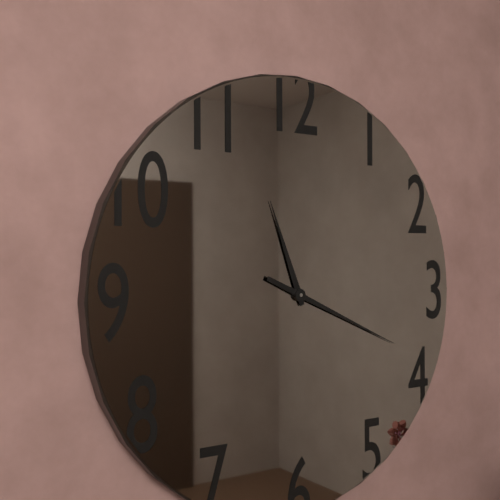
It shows {"hour": 11, "minute": 19}
